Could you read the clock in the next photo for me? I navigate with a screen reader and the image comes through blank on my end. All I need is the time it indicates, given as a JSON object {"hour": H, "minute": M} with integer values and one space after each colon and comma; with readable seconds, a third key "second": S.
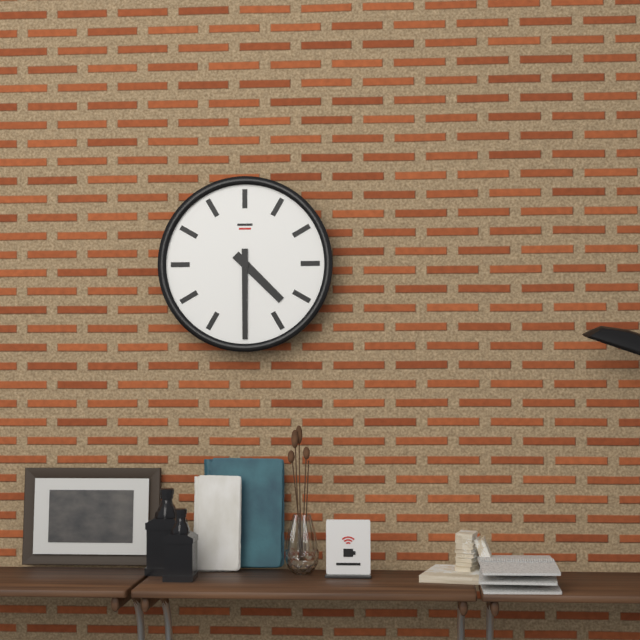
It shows {"hour": 4, "minute": 30}
